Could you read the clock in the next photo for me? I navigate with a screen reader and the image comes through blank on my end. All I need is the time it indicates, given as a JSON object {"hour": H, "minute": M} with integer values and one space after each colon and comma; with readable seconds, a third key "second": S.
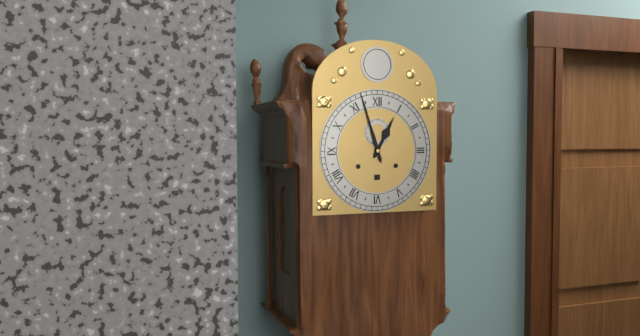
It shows {"hour": 12, "minute": 57}
